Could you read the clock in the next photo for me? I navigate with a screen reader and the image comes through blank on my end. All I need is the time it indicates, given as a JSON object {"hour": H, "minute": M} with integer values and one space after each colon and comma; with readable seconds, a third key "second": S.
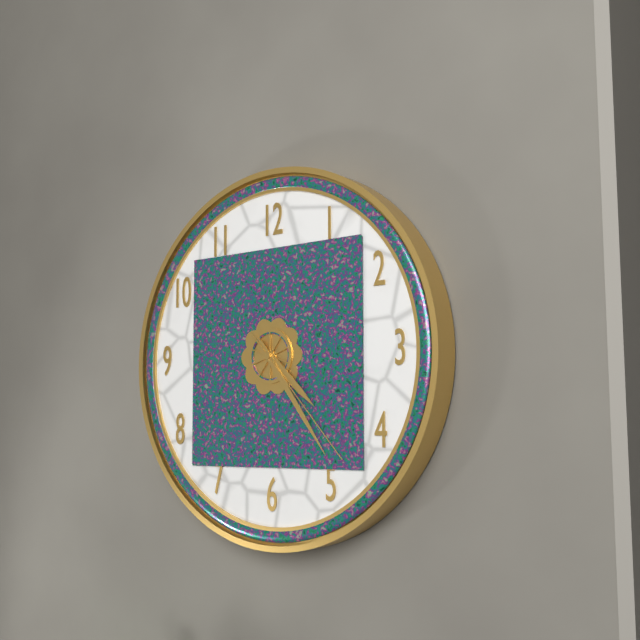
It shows {"hour": 4, "minute": 24, "second": 23}
